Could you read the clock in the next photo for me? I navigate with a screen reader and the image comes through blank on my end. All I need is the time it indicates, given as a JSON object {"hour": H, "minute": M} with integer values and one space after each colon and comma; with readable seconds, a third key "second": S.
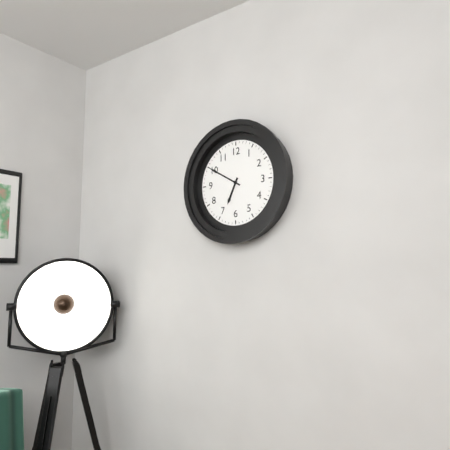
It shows {"hour": 6, "minute": 50}
